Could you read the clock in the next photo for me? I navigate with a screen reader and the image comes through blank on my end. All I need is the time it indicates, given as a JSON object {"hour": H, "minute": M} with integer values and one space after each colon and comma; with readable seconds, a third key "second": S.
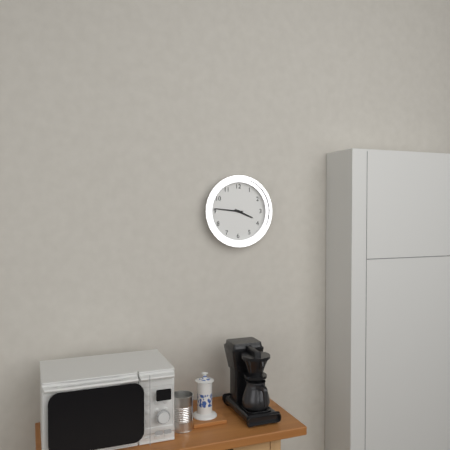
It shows {"hour": 3, "minute": 46}
